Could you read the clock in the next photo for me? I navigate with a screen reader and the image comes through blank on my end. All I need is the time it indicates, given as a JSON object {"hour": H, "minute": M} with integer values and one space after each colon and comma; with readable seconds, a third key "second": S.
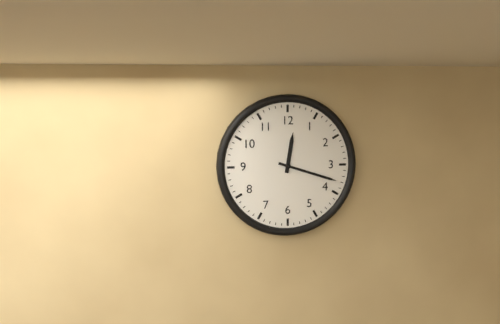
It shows {"hour": 12, "minute": 18}
